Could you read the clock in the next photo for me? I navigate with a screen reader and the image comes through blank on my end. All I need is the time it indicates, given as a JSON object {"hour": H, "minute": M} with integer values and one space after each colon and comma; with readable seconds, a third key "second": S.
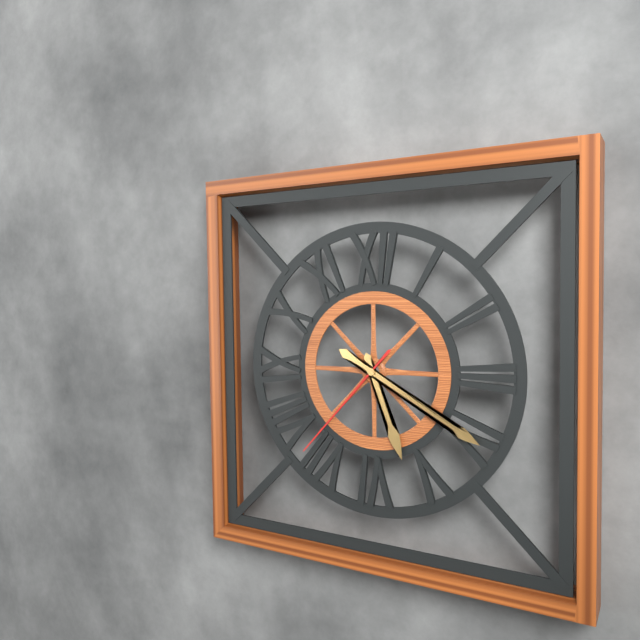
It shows {"hour": 5, "minute": 20, "second": 37}
